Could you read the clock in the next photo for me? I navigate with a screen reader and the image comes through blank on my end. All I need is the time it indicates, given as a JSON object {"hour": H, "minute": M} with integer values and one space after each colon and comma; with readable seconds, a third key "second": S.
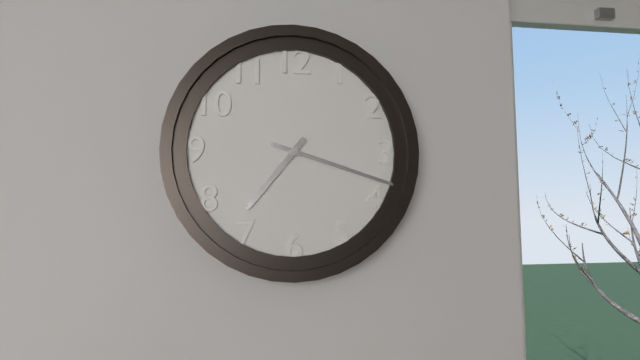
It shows {"hour": 7, "minute": 18}
